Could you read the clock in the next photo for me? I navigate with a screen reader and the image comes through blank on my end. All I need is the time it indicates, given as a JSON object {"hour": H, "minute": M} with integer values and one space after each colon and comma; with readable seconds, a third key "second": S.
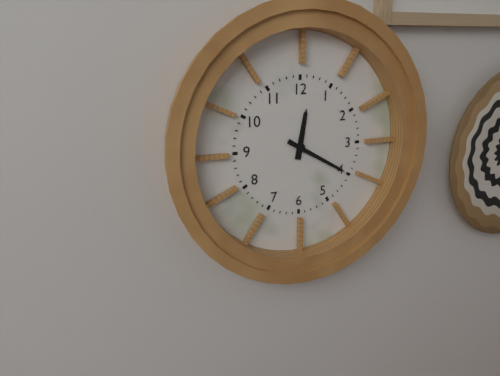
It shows {"hour": 12, "minute": 20}
